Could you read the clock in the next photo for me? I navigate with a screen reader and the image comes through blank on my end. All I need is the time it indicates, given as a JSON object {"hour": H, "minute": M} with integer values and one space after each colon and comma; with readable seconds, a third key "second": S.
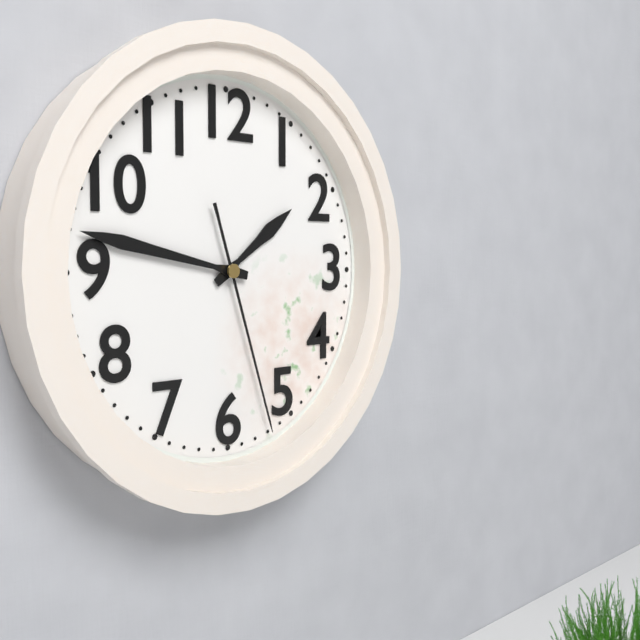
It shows {"hour": 1, "minute": 47, "second": 27}
